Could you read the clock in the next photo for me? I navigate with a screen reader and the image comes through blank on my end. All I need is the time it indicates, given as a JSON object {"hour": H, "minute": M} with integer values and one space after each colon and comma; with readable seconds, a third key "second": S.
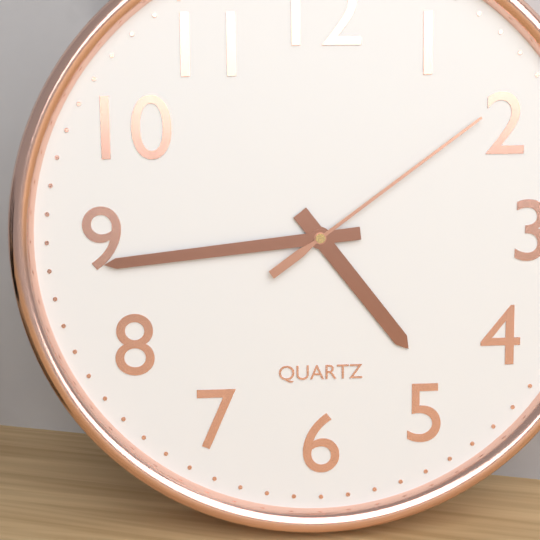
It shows {"hour": 4, "minute": 44, "second": 9}
